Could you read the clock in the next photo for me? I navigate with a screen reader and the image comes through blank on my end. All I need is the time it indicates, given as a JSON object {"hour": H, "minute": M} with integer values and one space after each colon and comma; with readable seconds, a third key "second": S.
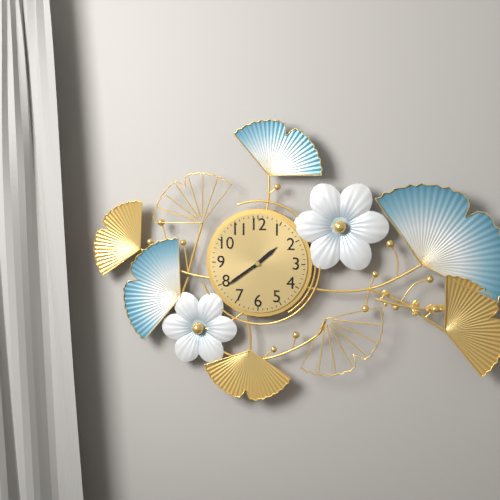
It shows {"hour": 1, "minute": 39}
